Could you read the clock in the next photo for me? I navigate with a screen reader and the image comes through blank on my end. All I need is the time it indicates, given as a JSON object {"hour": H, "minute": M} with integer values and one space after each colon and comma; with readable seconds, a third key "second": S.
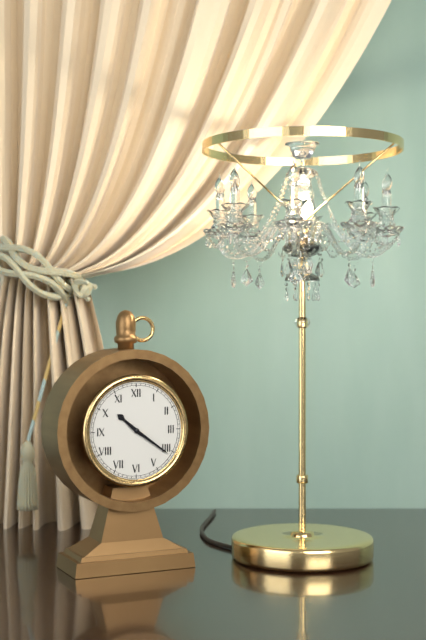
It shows {"hour": 10, "minute": 21}
